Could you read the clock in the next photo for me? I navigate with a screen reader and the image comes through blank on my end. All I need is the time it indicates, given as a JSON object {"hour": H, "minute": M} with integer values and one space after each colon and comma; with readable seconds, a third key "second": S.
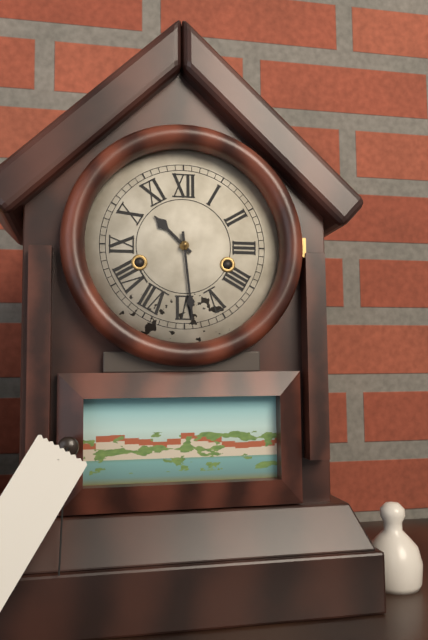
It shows {"hour": 10, "minute": 29}
